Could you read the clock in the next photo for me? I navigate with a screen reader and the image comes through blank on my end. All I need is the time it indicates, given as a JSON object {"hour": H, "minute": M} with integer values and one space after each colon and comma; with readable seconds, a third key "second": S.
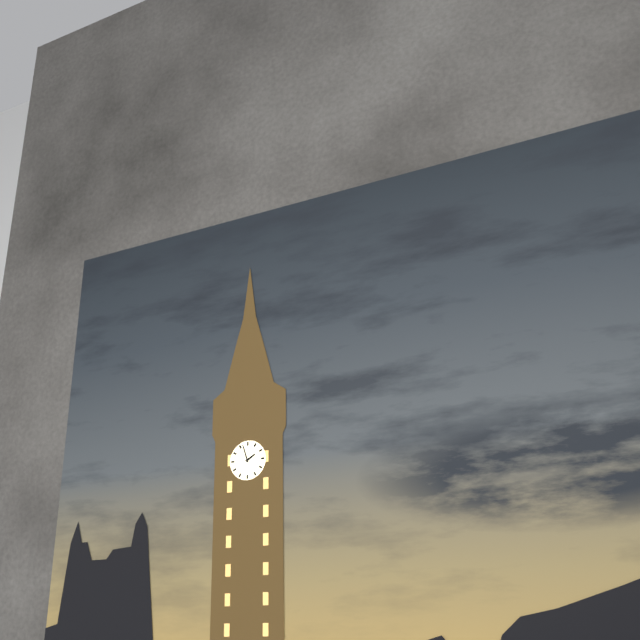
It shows {"hour": 1, "minute": 57}
